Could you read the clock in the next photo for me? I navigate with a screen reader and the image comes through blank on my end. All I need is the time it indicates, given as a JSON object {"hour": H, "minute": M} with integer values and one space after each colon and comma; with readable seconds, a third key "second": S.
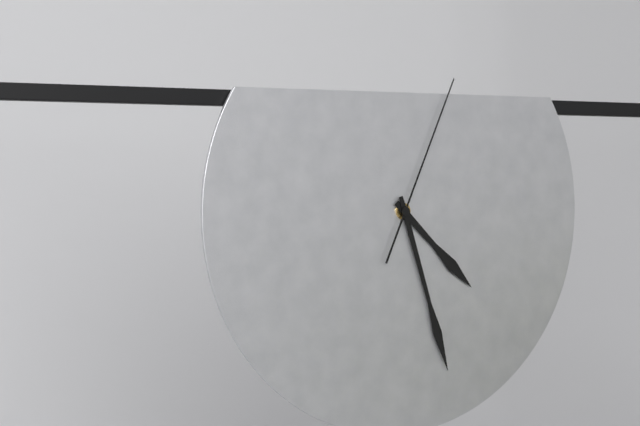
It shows {"hour": 4, "minute": 27, "second": 4}
